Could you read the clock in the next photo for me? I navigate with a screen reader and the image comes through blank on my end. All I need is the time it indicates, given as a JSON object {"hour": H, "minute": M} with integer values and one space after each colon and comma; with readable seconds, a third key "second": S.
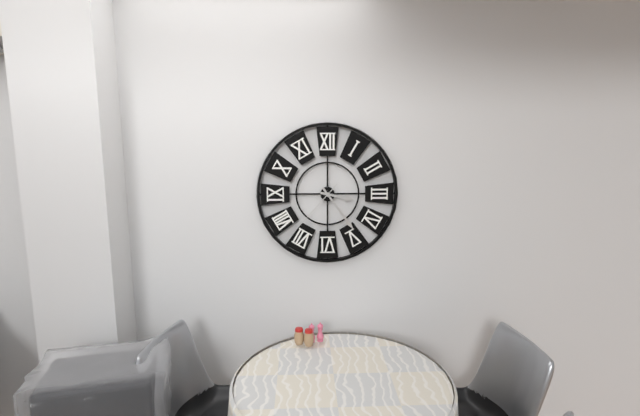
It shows {"hour": 3, "minute": 24, "second": 37}
